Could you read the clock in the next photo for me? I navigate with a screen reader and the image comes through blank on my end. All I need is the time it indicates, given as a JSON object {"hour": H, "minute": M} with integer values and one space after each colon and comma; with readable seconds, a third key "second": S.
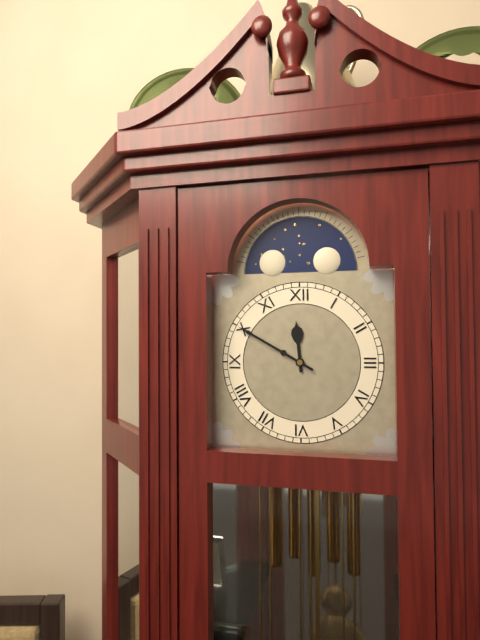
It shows {"hour": 11, "minute": 50}
